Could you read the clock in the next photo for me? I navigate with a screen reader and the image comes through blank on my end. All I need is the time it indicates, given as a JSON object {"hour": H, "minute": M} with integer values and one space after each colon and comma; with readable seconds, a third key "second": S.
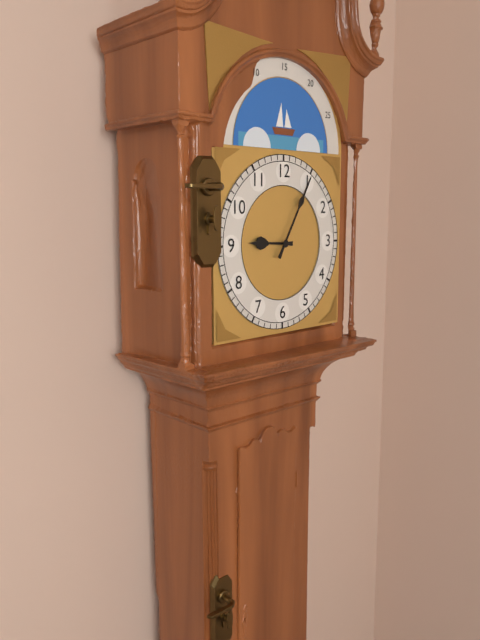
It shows {"hour": 9, "minute": 5}
